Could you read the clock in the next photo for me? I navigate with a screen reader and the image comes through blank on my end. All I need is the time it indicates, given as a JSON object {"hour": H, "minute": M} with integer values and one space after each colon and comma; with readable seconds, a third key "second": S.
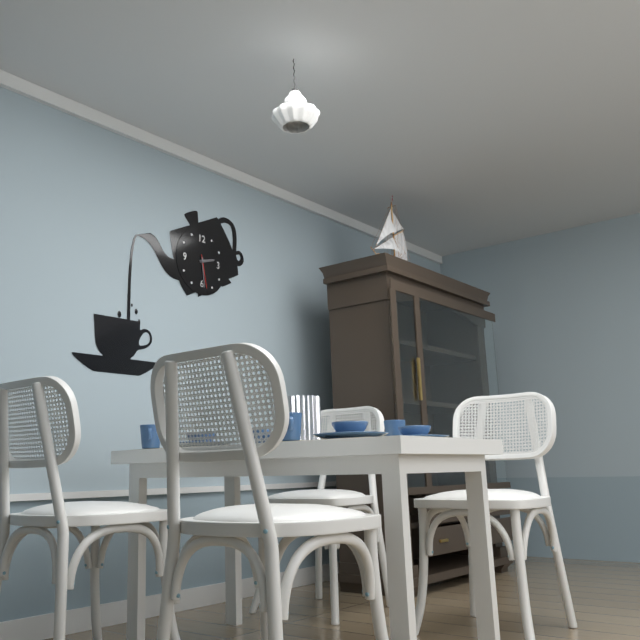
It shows {"hour": 2, "minute": 29}
